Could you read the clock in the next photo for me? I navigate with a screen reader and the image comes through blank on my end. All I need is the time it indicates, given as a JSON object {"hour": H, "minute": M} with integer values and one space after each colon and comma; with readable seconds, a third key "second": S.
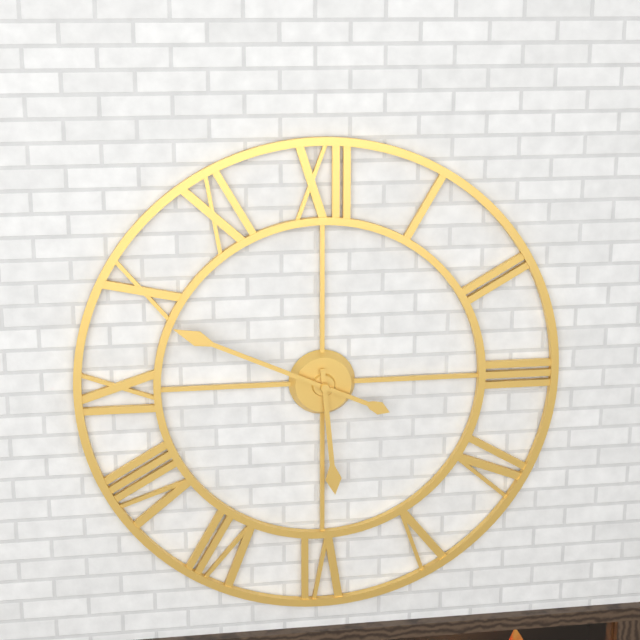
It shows {"hour": 5, "minute": 49}
